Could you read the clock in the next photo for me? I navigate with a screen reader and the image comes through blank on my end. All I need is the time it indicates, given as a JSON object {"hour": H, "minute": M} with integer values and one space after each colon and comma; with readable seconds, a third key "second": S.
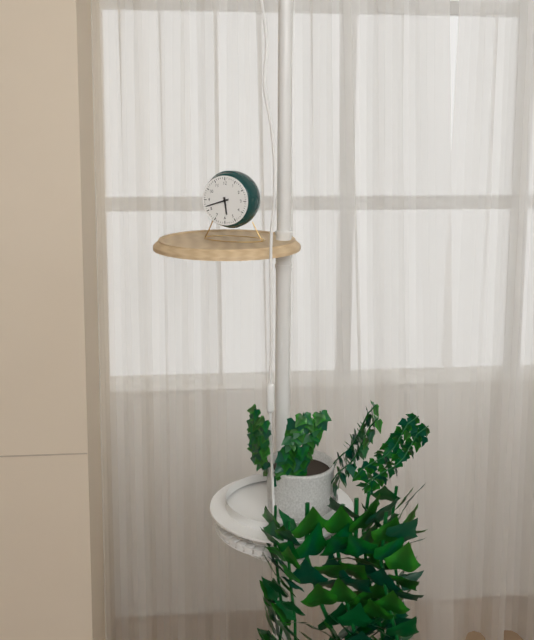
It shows {"hour": 5, "minute": 42}
